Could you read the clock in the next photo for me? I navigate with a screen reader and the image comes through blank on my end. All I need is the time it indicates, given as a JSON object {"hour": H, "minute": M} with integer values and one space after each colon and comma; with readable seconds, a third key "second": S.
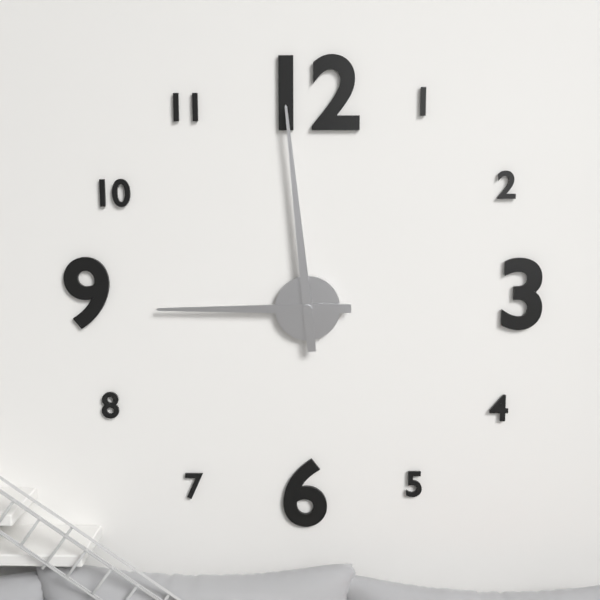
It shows {"hour": 8, "minute": 59}
